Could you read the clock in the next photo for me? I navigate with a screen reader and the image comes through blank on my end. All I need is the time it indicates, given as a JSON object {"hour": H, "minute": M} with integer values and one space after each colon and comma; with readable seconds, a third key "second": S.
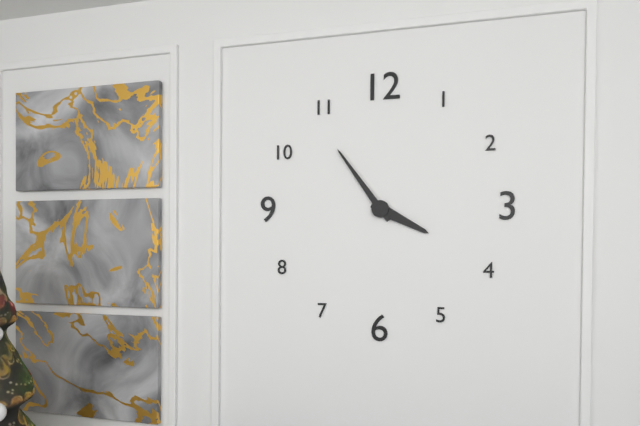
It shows {"hour": 3, "minute": 54}
